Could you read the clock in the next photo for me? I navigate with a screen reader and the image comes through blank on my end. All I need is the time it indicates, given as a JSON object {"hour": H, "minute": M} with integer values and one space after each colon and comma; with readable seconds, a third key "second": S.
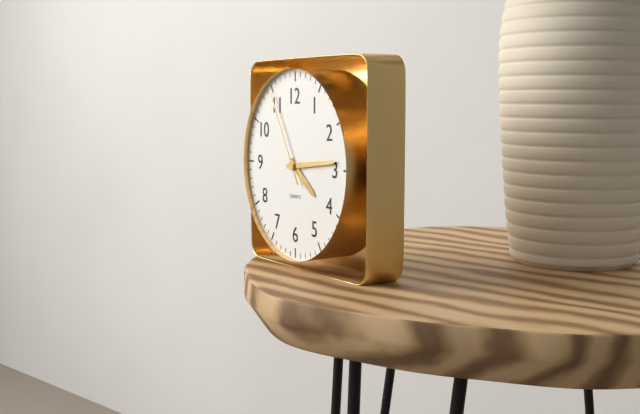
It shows {"hour": 4, "minute": 14, "second": 55}
